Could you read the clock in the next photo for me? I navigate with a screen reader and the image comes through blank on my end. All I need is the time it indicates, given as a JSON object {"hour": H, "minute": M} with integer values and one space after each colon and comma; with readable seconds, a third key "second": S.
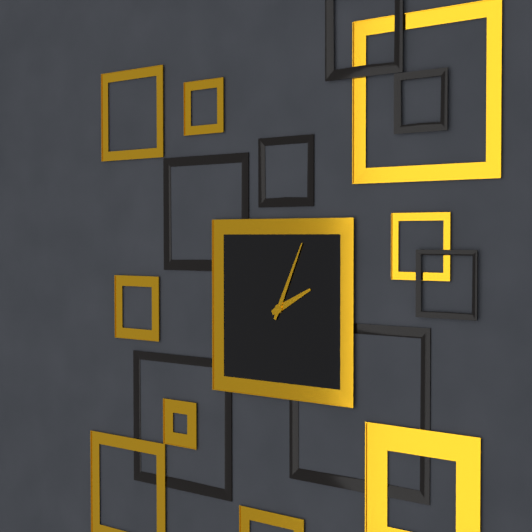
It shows {"hour": 2, "minute": 4}
